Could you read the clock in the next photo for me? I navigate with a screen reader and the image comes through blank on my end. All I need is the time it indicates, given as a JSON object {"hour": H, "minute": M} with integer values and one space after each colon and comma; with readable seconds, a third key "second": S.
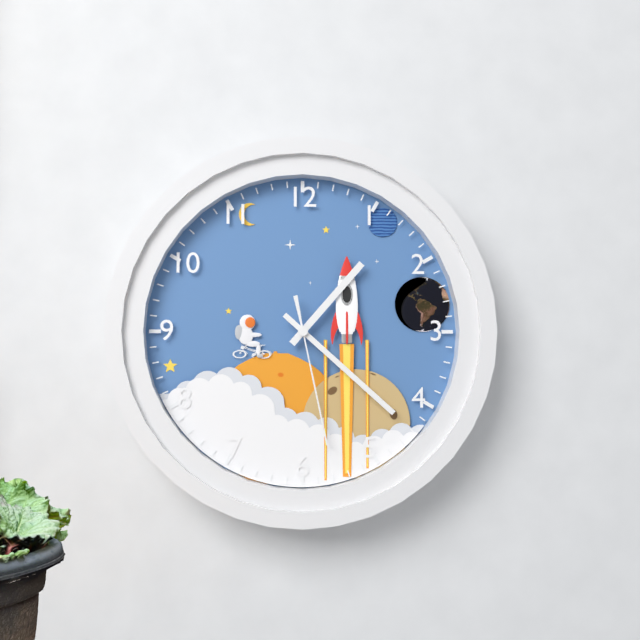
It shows {"hour": 1, "minute": 22, "second": 28}
